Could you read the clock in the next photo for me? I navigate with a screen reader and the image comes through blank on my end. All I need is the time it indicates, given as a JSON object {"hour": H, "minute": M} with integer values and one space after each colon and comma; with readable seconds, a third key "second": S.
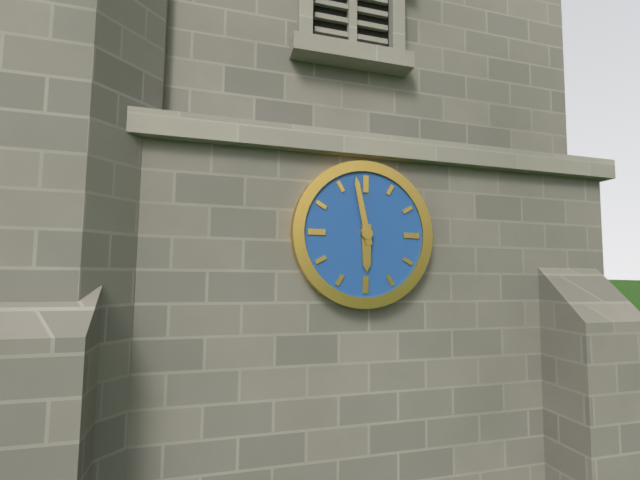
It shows {"hour": 5, "minute": 58}
